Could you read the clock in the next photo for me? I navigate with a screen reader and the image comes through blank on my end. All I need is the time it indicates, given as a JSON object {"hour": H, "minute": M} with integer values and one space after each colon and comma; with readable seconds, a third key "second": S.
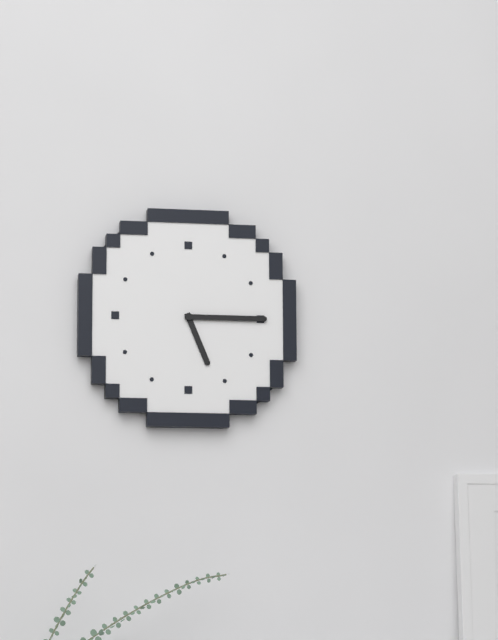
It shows {"hour": 5, "minute": 15}
